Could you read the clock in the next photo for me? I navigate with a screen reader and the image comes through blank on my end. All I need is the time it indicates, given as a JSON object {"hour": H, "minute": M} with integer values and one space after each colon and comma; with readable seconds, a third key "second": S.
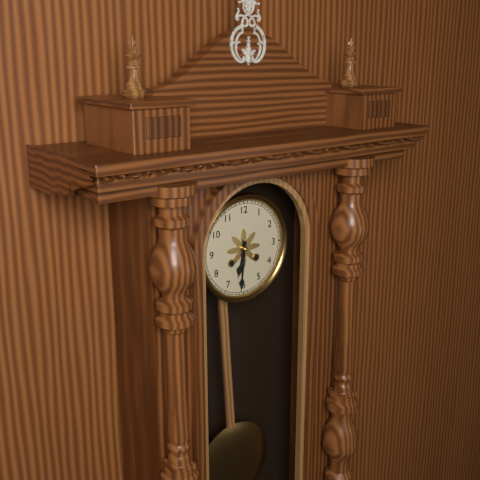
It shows {"hour": 6, "minute": 31}
